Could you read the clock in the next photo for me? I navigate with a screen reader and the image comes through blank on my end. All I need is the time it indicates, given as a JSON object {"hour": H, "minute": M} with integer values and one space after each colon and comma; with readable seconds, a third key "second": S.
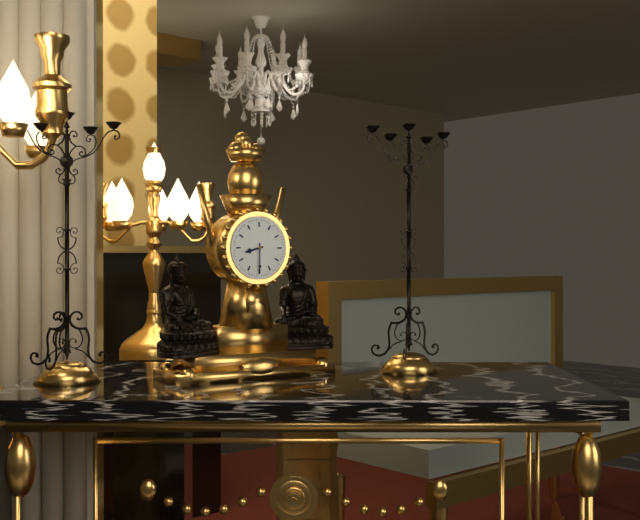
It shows {"hour": 8, "minute": 30}
